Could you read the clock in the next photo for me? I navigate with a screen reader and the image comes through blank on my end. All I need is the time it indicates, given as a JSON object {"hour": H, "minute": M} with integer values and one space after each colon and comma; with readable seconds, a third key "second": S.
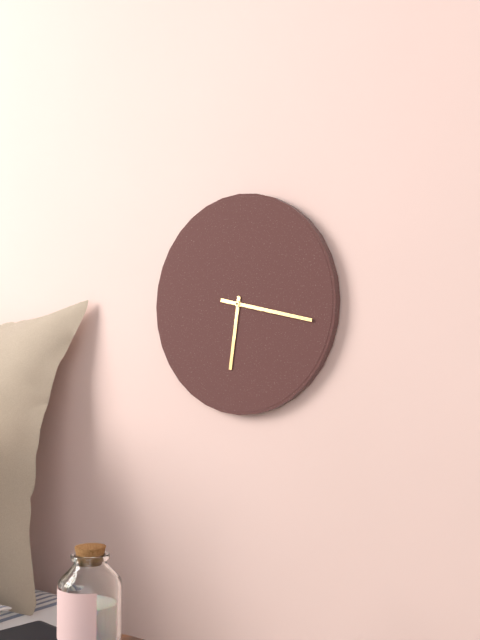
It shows {"hour": 6, "minute": 17}
